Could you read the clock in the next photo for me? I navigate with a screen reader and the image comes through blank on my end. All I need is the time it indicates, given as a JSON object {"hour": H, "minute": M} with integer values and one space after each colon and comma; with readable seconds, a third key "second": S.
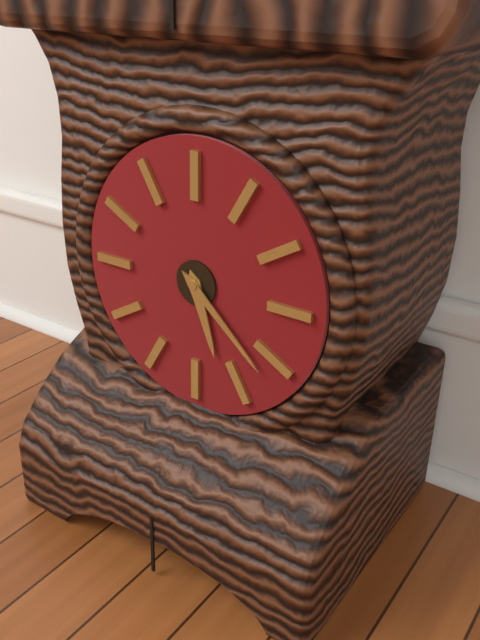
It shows {"hour": 5, "minute": 22}
